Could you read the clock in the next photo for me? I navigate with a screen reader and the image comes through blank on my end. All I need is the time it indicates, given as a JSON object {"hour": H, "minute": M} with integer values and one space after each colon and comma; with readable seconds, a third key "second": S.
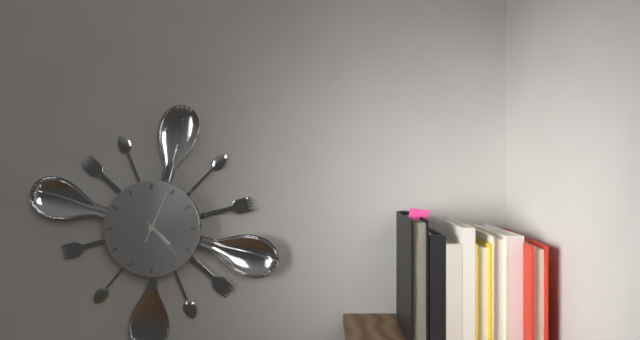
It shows {"hour": 4, "minute": 23, "second": 4}
